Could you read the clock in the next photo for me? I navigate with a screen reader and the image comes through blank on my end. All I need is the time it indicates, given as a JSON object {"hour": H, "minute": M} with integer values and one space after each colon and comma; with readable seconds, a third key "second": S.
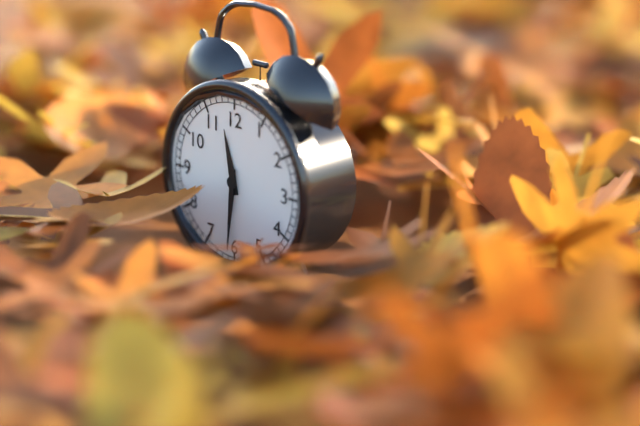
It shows {"hour": 11, "minute": 31}
